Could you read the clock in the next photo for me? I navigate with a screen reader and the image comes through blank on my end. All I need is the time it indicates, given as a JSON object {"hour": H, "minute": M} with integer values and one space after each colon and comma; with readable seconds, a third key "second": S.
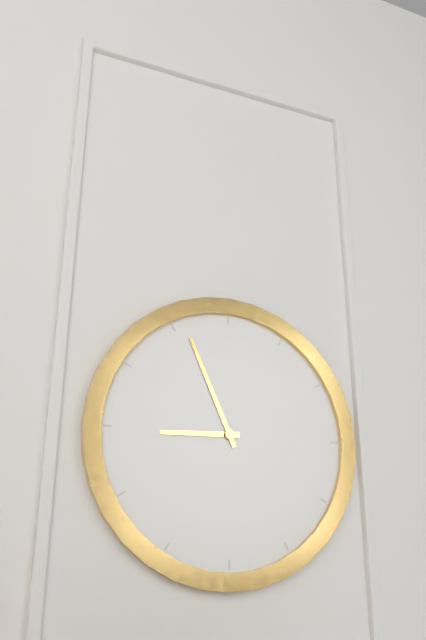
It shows {"hour": 8, "minute": 56}
